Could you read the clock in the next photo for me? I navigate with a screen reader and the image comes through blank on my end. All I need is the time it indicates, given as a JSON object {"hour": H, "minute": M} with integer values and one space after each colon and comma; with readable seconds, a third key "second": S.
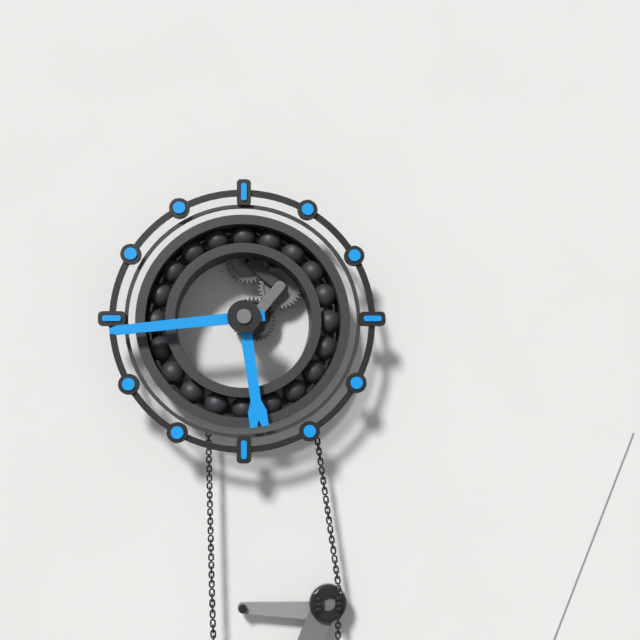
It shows {"hour": 5, "minute": 44}
